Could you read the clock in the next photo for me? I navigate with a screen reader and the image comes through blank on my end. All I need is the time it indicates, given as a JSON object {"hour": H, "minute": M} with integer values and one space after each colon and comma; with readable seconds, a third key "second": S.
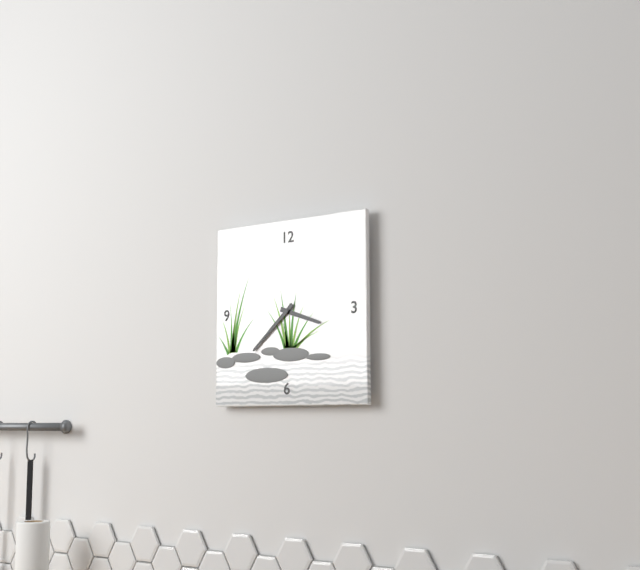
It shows {"hour": 3, "minute": 38}
